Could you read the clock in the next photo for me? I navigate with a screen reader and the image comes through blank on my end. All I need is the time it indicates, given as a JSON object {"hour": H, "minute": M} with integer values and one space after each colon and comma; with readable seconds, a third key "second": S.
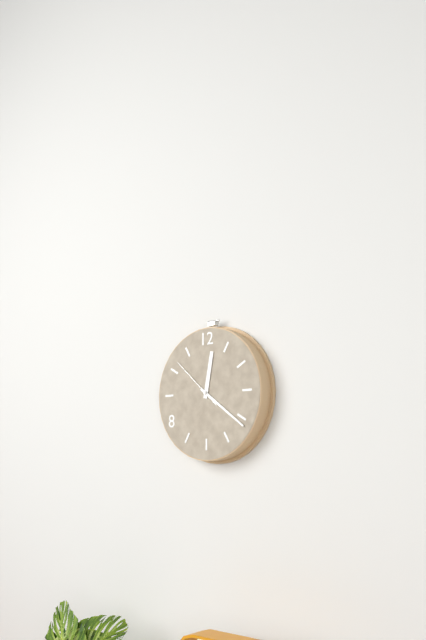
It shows {"hour": 12, "minute": 21, "second": 52}
